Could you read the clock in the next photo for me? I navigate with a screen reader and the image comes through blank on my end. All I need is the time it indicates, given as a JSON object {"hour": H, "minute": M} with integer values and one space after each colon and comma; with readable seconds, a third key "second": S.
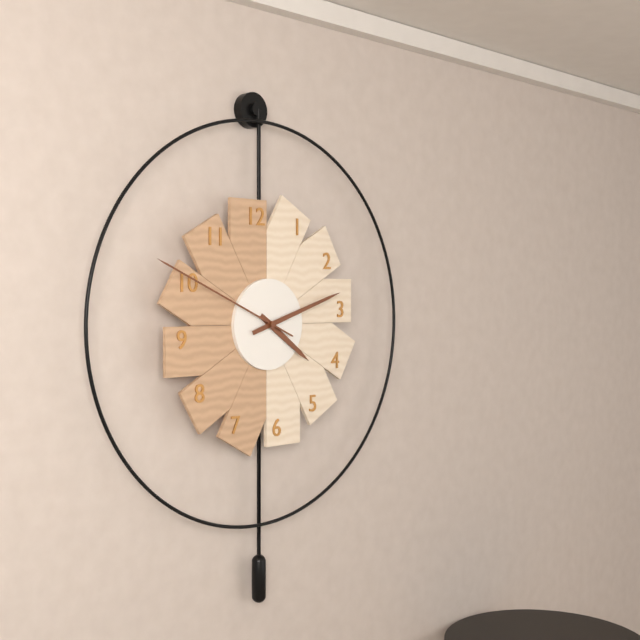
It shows {"hour": 4, "minute": 12, "second": 49}
